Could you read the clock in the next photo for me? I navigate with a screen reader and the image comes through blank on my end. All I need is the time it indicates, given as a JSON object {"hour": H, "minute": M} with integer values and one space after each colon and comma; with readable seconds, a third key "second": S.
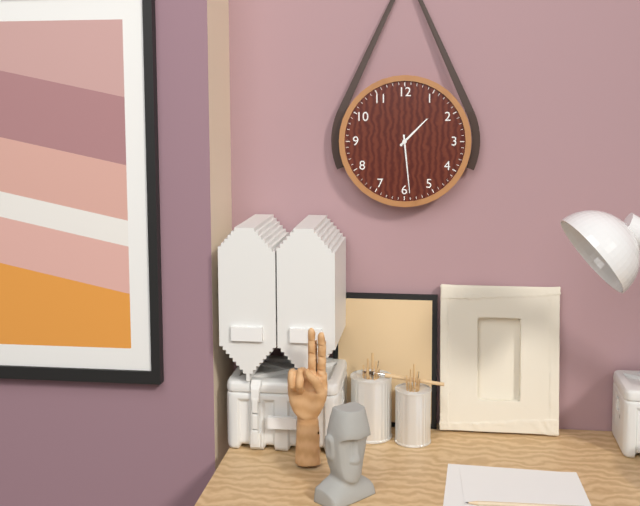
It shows {"hour": 1, "minute": 29}
